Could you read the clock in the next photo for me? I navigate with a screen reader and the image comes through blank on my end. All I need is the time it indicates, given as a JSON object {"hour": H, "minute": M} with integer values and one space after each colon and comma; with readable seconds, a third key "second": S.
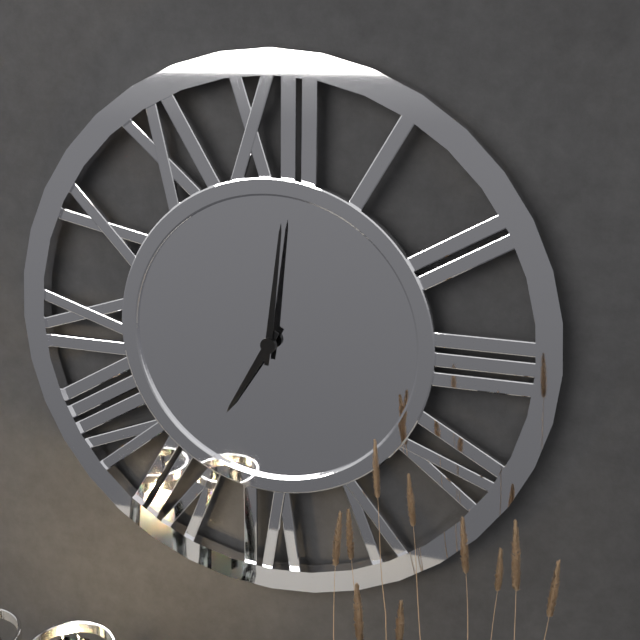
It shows {"hour": 7, "minute": 1}
